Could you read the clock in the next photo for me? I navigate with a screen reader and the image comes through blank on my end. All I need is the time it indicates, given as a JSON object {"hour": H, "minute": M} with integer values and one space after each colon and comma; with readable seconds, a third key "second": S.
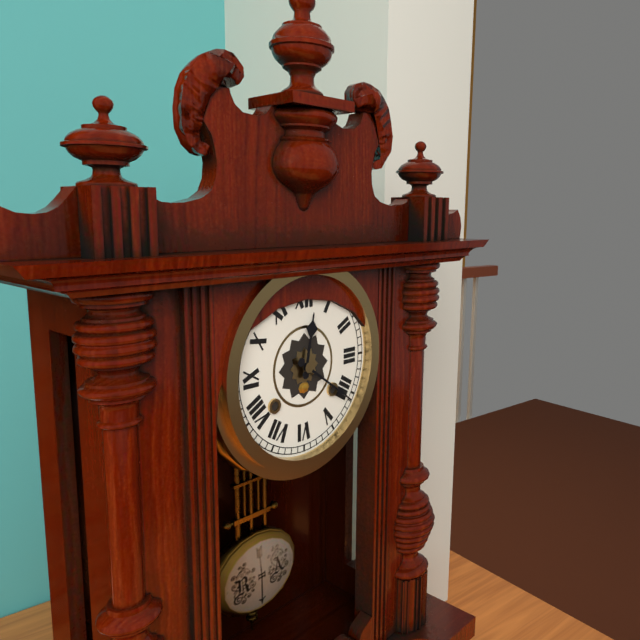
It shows {"hour": 12, "minute": 21}
